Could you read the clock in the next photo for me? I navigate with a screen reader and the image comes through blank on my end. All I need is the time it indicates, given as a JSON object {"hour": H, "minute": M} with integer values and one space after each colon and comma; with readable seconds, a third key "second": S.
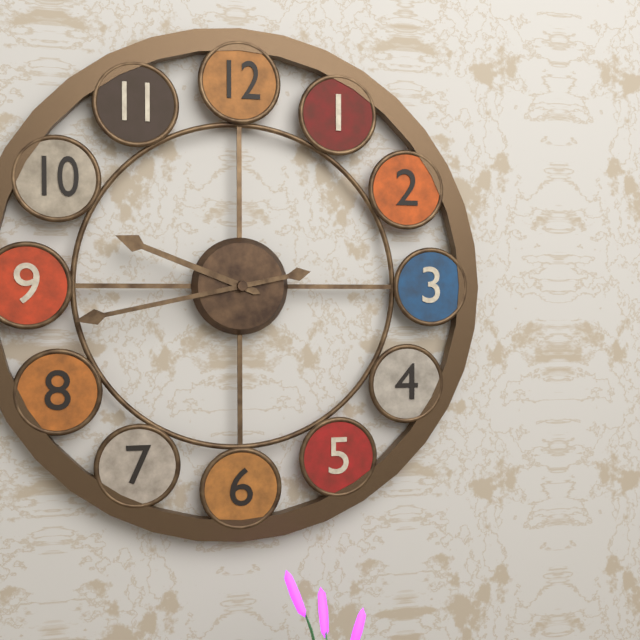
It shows {"hour": 9, "minute": 43}
